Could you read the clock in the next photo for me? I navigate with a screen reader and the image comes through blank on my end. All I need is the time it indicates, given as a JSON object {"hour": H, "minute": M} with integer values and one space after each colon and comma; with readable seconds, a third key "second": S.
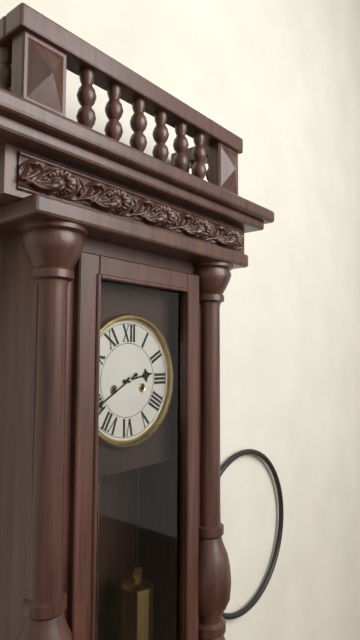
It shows {"hour": 2, "minute": 40}
